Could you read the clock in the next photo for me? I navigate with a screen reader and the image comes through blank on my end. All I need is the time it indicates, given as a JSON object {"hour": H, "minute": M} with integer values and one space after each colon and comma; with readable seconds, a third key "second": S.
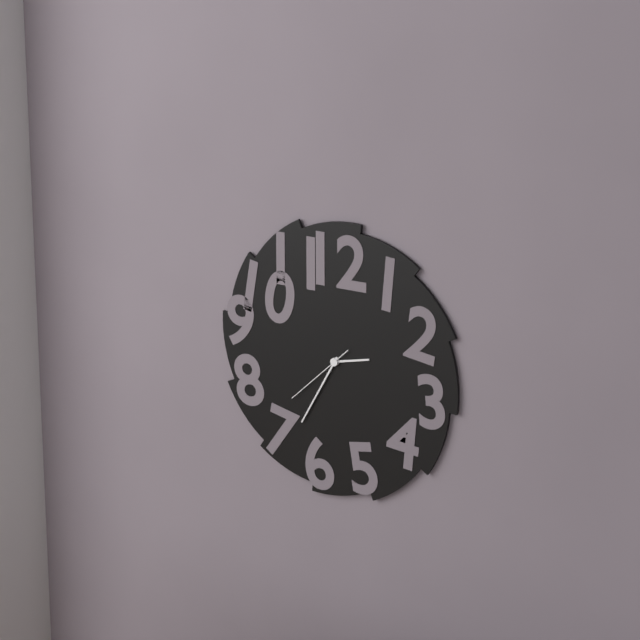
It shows {"hour": 2, "minute": 35, "second": 38}
